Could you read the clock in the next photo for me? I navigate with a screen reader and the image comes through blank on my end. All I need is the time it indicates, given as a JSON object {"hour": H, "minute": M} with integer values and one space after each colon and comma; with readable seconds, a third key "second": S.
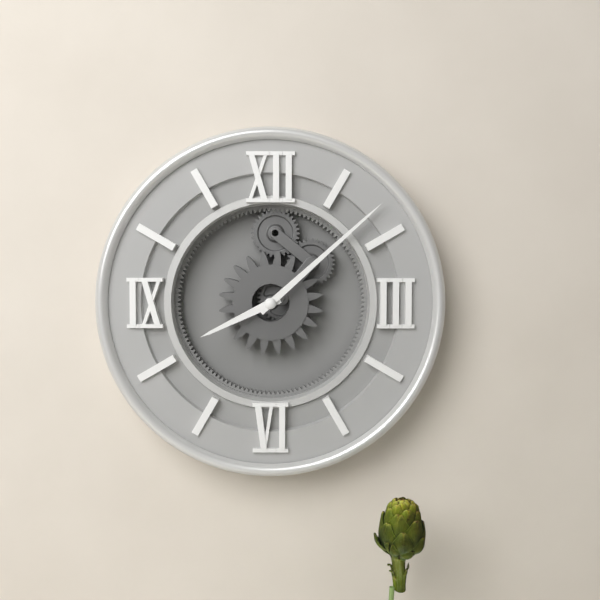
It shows {"hour": 8, "minute": 8}
